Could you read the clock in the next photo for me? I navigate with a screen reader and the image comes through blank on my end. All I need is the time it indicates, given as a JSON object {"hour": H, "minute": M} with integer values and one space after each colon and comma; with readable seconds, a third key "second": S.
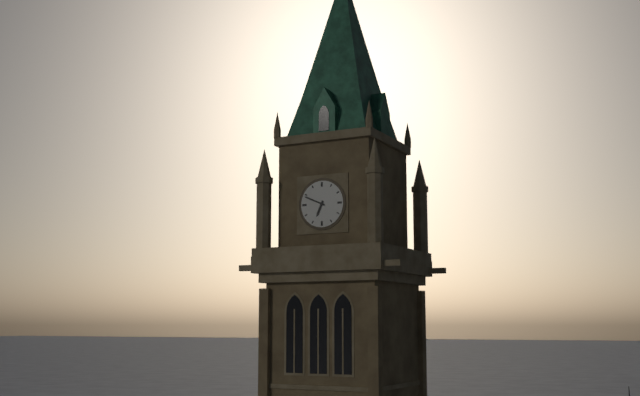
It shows {"hour": 6, "minute": 49}
